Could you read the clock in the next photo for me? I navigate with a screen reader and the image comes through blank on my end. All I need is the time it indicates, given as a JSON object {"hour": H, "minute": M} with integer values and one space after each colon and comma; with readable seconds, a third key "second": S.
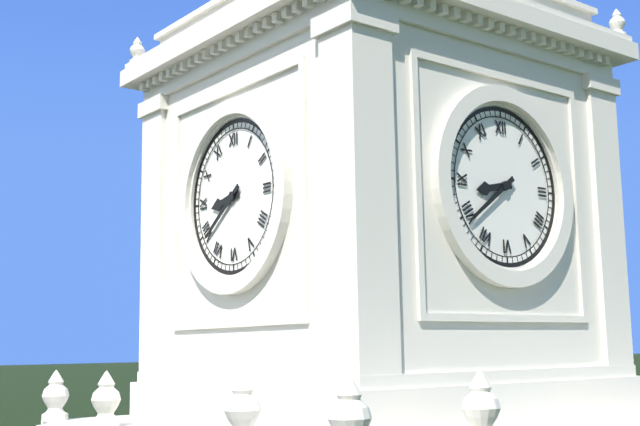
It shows {"hour": 8, "minute": 39}
